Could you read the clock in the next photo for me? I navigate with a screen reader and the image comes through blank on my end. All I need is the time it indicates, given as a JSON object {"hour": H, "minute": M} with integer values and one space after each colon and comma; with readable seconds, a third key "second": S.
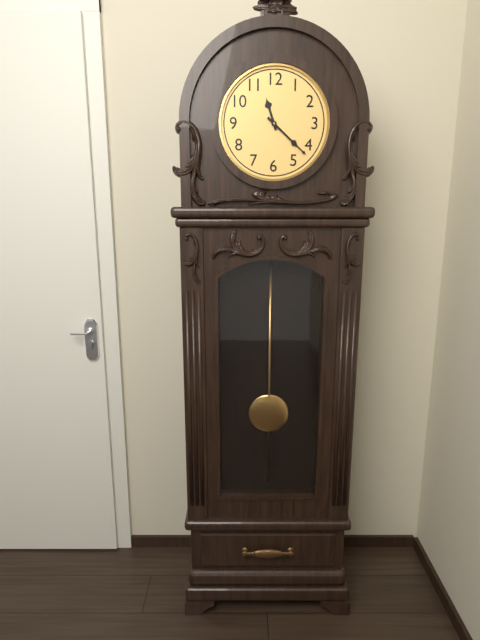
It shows {"hour": 11, "minute": 22}
